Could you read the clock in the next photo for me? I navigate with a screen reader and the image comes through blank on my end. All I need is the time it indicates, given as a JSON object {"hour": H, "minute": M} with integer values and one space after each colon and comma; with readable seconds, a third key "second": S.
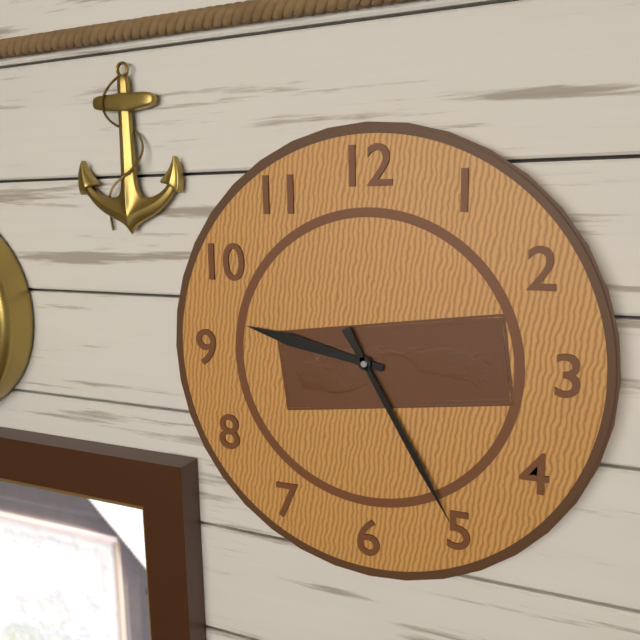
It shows {"hour": 9, "minute": 25}
